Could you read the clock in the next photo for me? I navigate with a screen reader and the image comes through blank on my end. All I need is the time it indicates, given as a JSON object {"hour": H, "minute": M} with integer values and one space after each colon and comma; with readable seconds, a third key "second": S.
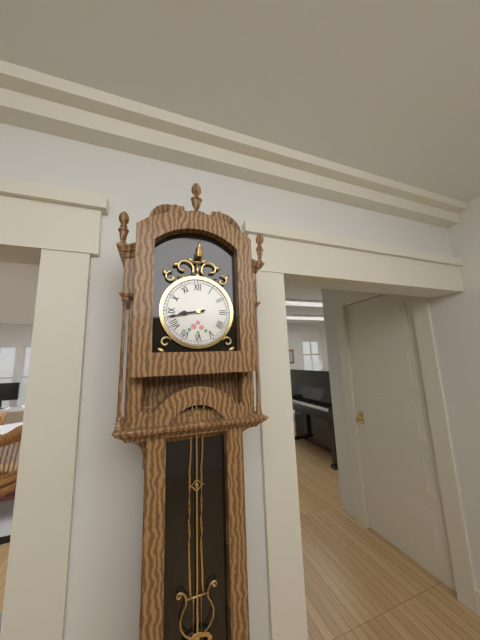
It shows {"hour": 8, "minute": 43}
